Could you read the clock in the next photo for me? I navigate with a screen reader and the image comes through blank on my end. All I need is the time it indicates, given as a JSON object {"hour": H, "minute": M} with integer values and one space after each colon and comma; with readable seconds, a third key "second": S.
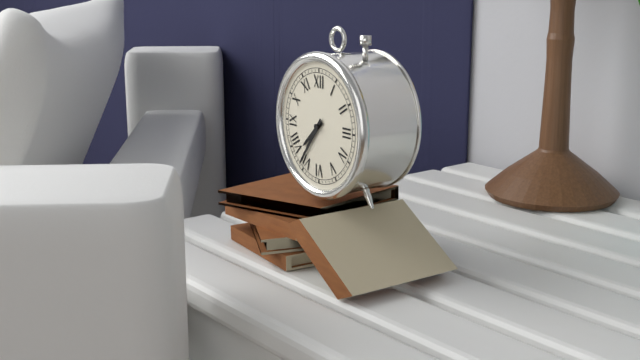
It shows {"hour": 7, "minute": 36}
